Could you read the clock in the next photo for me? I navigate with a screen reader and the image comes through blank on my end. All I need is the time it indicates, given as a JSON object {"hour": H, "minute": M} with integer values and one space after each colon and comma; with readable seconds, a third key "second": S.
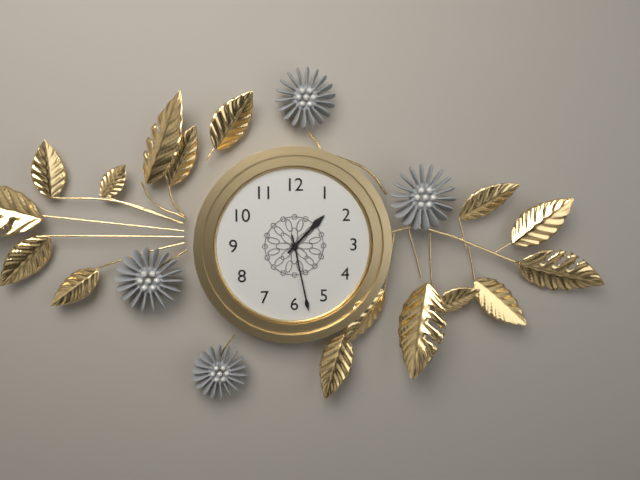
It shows {"hour": 1, "minute": 28}
